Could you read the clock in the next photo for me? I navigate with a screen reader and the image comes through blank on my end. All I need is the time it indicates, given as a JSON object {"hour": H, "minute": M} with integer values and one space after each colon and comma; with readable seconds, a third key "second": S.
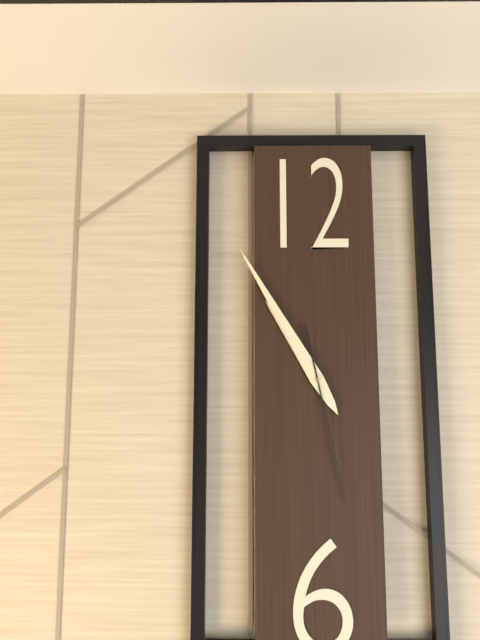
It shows {"hour": 10, "minute": 55, "second": 28}
